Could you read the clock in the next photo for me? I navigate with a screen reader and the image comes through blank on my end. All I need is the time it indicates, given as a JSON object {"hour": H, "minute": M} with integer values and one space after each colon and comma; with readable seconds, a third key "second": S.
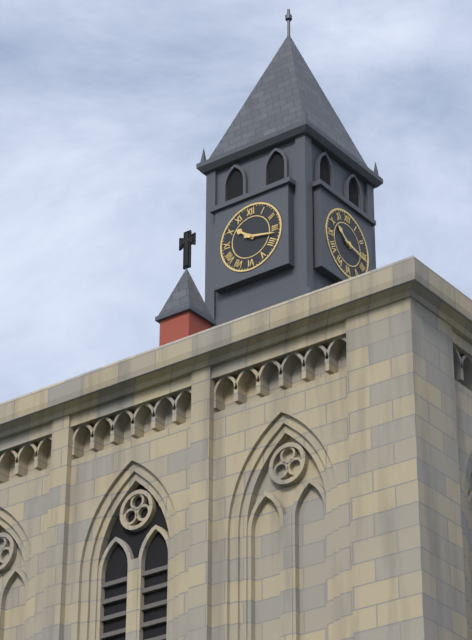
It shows {"hour": 10, "minute": 17}
